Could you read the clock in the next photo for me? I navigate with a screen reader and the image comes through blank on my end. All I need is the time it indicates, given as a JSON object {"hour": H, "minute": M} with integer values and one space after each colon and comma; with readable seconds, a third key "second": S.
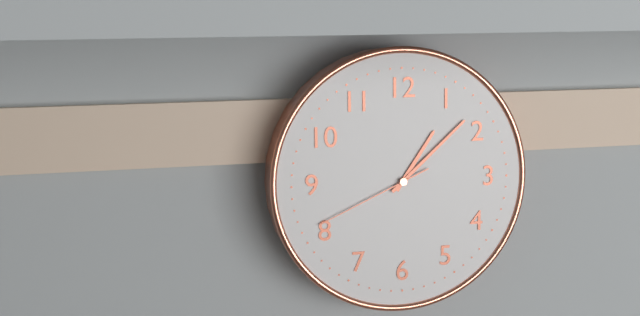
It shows {"hour": 1, "minute": 8, "second": 41}
